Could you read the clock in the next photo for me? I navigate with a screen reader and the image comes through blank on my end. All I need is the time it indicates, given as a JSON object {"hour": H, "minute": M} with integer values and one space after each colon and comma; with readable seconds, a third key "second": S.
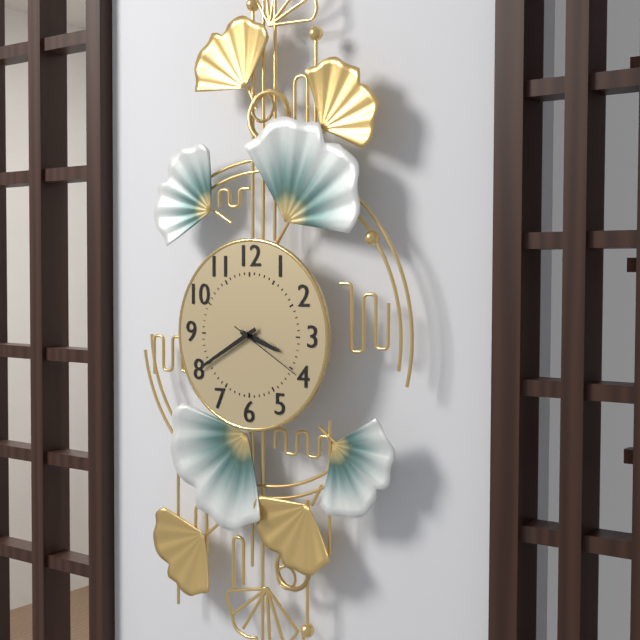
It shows {"hour": 3, "minute": 40, "second": 20}
